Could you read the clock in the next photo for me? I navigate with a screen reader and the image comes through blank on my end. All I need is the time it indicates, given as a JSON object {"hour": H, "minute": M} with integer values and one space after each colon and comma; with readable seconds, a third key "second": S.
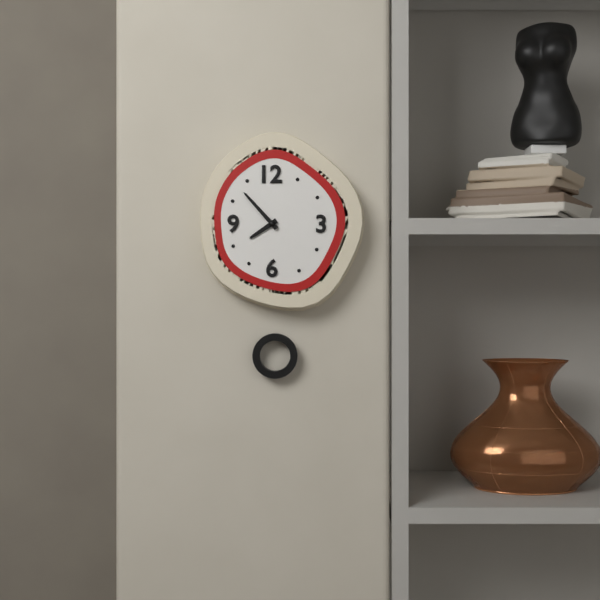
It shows {"hour": 7, "minute": 53}
